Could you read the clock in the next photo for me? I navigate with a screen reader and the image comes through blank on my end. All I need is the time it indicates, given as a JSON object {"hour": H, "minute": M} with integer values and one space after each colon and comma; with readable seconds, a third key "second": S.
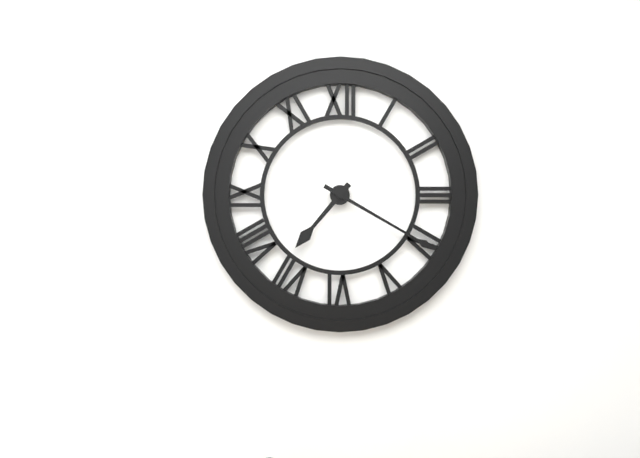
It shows {"hour": 7, "minute": 20}
